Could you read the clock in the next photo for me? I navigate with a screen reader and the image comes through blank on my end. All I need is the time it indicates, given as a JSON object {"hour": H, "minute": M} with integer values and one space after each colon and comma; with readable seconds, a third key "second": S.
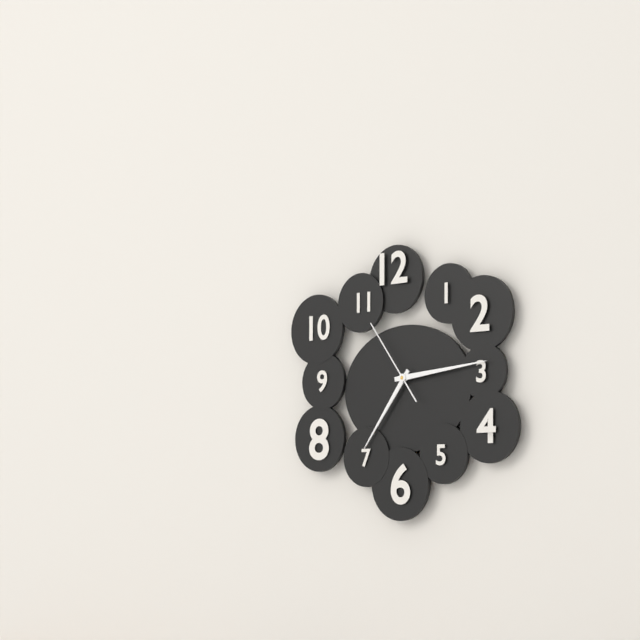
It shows {"hour": 7, "minute": 14, "second": 54}
